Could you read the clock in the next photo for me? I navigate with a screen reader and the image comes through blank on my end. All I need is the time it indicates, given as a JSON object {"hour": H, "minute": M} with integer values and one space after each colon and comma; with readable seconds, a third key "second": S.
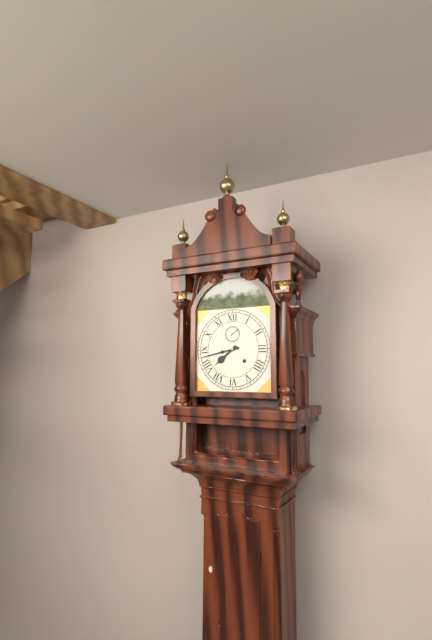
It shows {"hour": 7, "minute": 43}
